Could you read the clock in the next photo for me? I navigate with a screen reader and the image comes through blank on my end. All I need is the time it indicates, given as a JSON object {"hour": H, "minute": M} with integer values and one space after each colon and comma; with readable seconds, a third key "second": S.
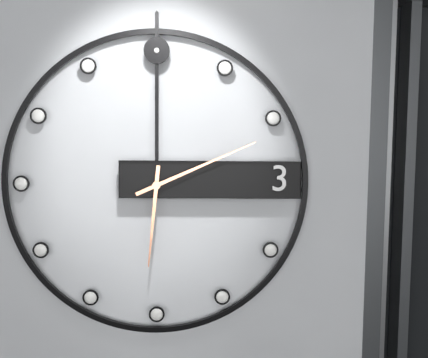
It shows {"hour": 6, "minute": 11}
